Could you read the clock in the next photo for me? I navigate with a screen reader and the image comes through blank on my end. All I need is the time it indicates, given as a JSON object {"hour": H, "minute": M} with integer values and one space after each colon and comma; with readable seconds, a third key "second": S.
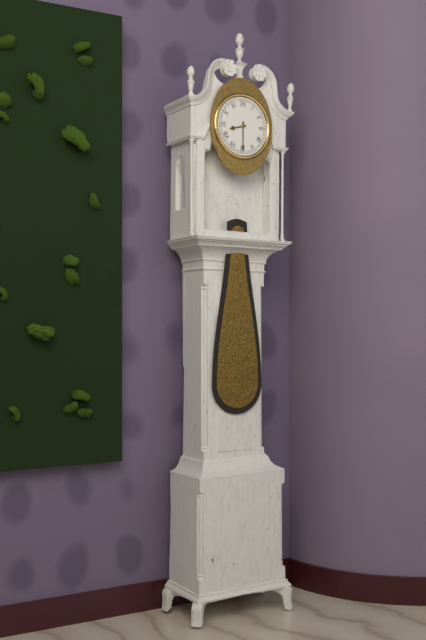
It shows {"hour": 8, "minute": 30}
